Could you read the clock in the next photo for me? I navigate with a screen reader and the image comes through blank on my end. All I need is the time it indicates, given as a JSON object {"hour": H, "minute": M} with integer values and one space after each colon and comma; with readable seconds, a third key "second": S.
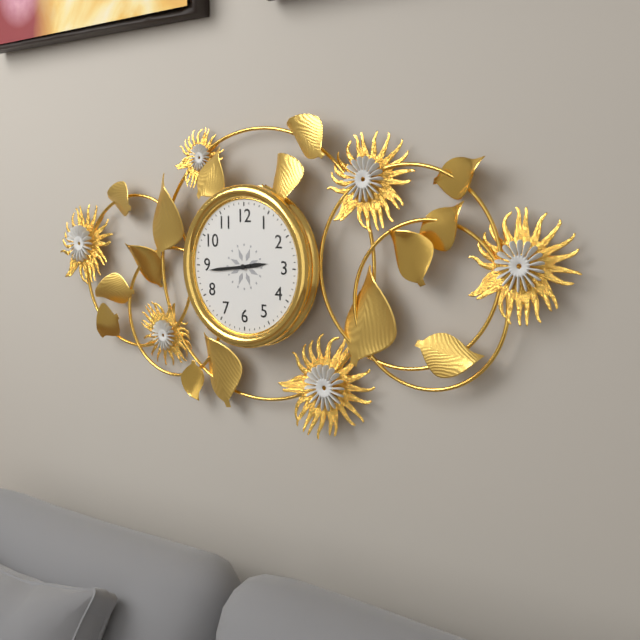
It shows {"hour": 2, "minute": 44}
